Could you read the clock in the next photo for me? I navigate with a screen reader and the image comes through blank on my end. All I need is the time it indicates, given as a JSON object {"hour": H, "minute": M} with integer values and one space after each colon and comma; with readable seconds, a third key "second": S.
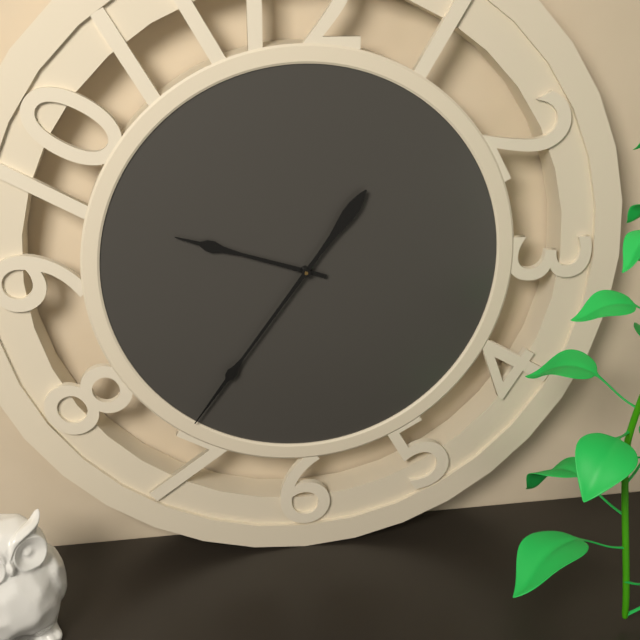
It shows {"hour": 9, "minute": 36}
